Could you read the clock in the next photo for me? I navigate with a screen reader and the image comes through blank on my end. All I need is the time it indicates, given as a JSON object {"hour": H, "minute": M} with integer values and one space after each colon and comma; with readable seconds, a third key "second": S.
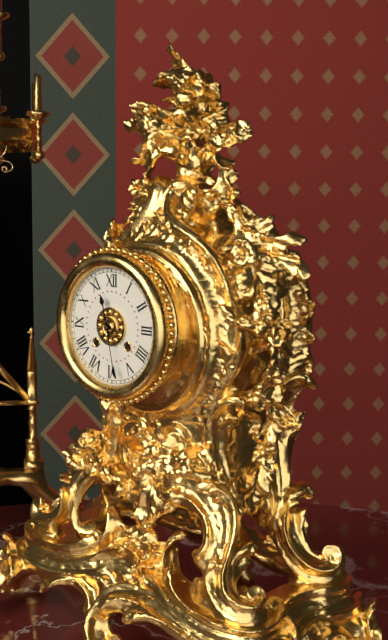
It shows {"hour": 11, "minute": 28}
